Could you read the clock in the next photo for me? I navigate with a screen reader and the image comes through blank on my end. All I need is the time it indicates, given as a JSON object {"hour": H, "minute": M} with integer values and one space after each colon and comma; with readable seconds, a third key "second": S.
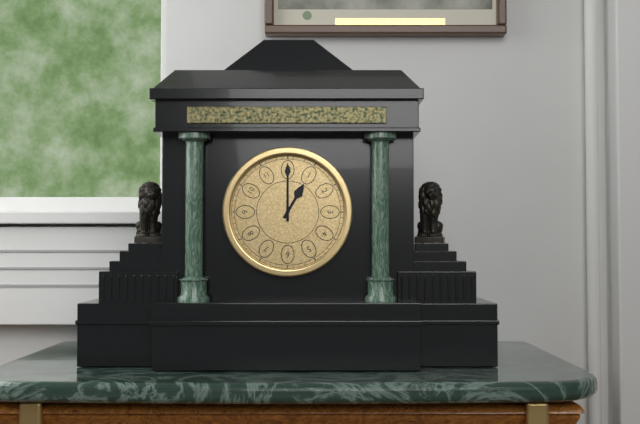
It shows {"hour": 1, "minute": 0}
